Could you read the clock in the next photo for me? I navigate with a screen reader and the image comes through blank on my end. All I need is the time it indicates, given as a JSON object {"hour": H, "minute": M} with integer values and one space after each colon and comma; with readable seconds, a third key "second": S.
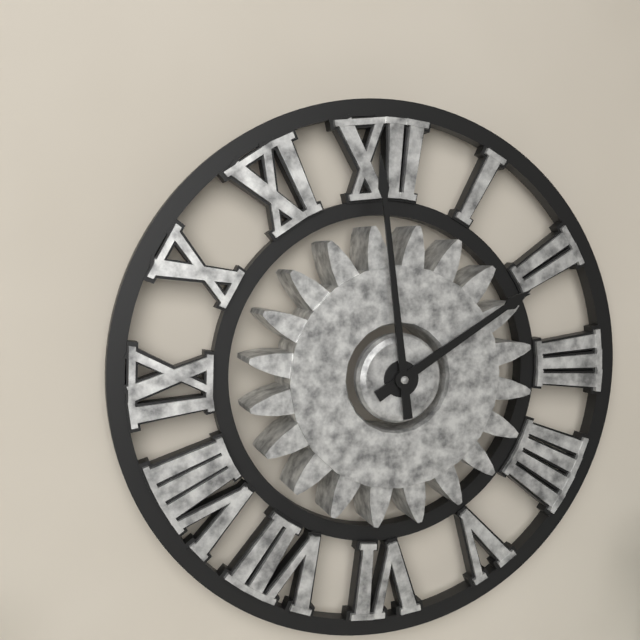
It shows {"hour": 1, "minute": 59}
